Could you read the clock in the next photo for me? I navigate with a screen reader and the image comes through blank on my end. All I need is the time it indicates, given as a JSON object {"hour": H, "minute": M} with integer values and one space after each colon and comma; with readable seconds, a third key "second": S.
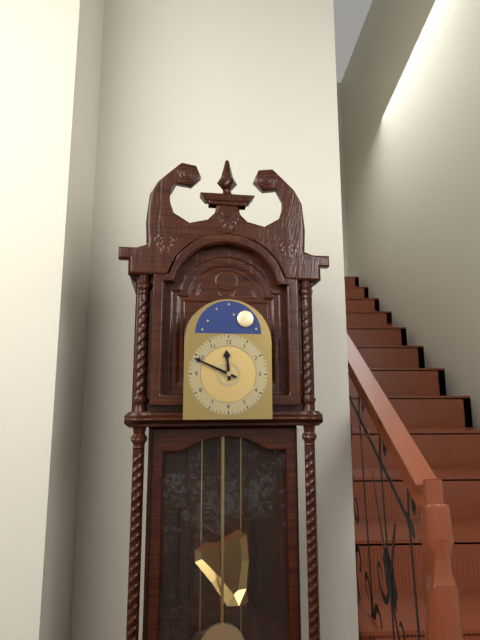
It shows {"hour": 11, "minute": 49}
